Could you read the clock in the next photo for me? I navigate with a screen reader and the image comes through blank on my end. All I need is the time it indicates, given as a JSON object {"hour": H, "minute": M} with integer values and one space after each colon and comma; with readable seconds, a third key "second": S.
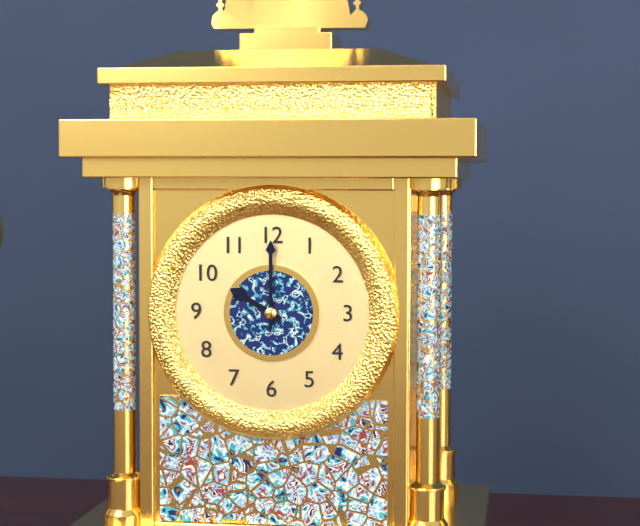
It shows {"hour": 10, "minute": 0}
